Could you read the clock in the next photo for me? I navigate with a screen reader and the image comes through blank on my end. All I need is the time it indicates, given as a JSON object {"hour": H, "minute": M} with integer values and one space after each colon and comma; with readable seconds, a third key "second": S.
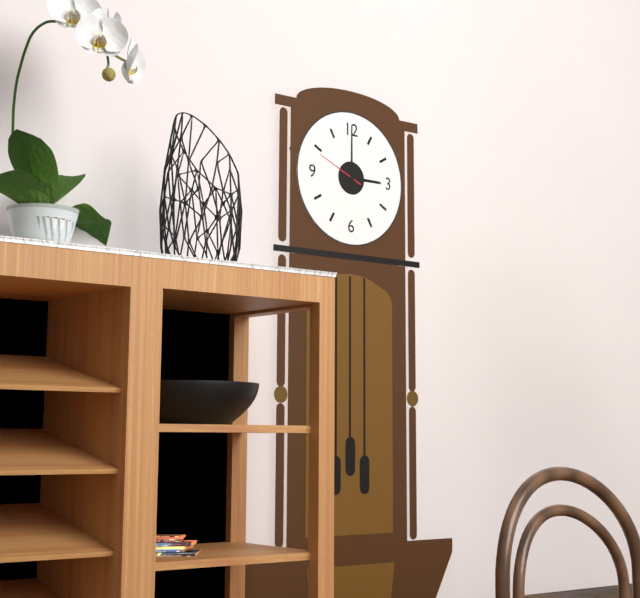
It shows {"hour": 3, "minute": 0, "second": 49}
